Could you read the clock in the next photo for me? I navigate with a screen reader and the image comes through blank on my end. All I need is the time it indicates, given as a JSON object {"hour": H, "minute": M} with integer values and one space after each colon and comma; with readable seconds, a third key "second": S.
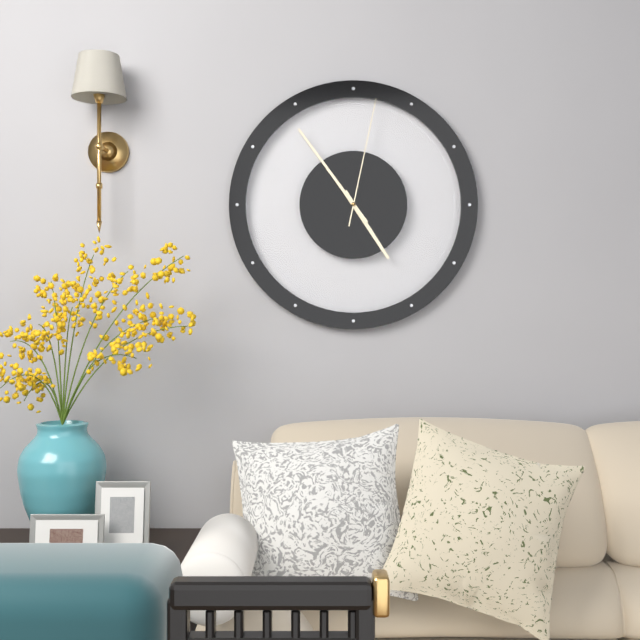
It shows {"hour": 4, "minute": 54, "second": 2}
